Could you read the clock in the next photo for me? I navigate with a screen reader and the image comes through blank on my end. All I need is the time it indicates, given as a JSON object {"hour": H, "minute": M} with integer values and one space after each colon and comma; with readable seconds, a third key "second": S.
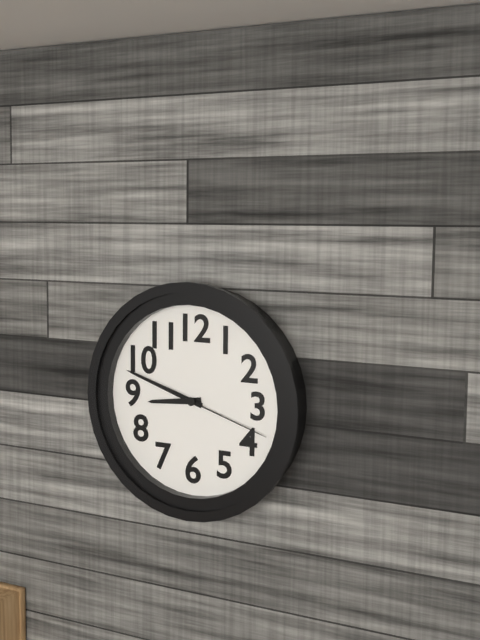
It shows {"hour": 8, "minute": 48, "second": 18}
